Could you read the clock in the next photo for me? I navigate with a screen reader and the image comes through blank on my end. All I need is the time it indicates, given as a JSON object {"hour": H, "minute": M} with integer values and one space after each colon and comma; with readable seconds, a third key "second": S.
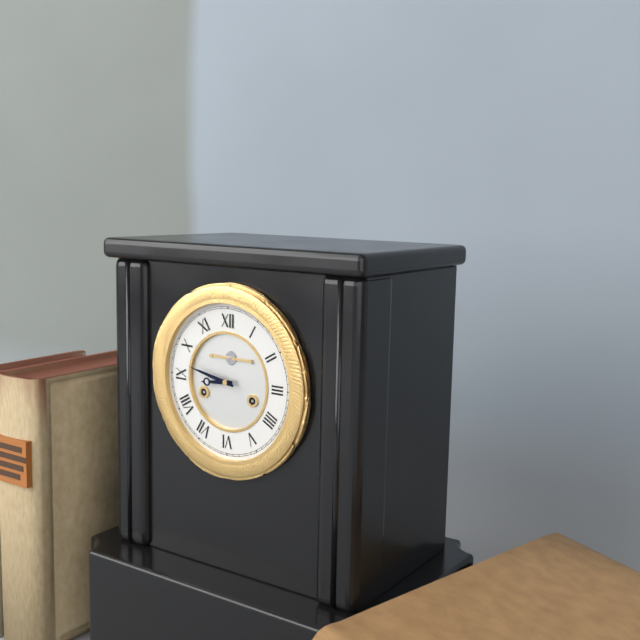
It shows {"hour": 8, "minute": 47}
